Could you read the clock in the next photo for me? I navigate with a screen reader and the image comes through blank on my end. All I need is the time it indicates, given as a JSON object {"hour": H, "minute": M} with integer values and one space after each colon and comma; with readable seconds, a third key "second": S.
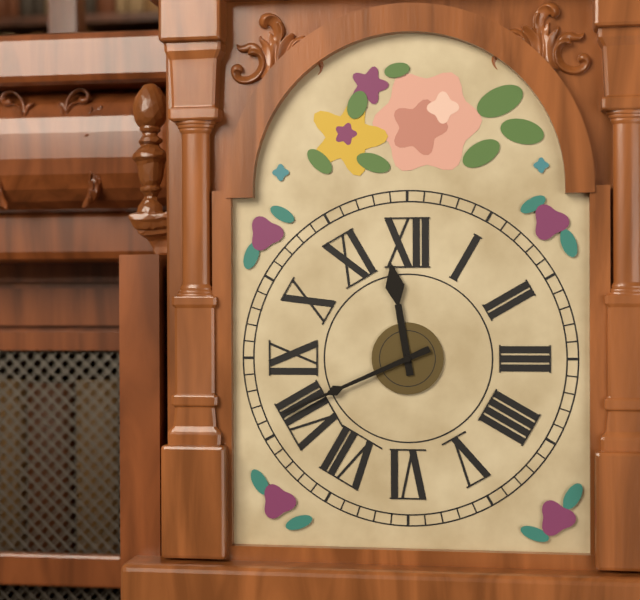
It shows {"hour": 11, "minute": 41}
